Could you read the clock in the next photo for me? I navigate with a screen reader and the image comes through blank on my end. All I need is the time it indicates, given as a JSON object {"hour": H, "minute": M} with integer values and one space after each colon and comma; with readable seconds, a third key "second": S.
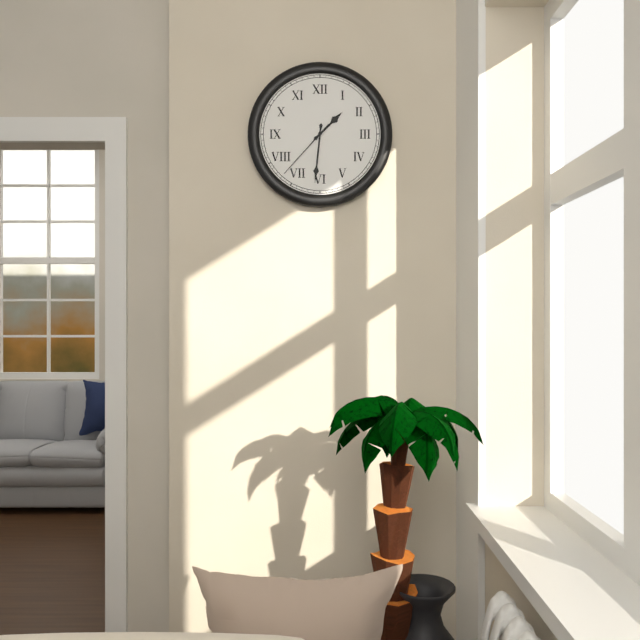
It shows {"hour": 1, "minute": 31, "second": 37}
